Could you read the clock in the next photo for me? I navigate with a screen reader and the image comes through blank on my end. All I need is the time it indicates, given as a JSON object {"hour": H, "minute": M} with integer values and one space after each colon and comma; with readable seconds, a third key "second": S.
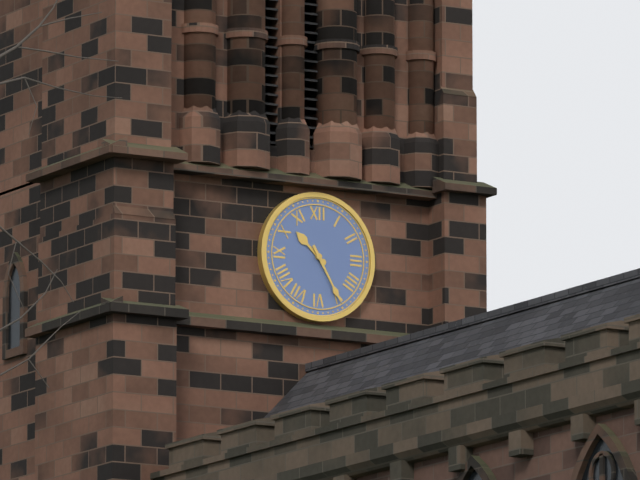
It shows {"hour": 10, "minute": 25}
